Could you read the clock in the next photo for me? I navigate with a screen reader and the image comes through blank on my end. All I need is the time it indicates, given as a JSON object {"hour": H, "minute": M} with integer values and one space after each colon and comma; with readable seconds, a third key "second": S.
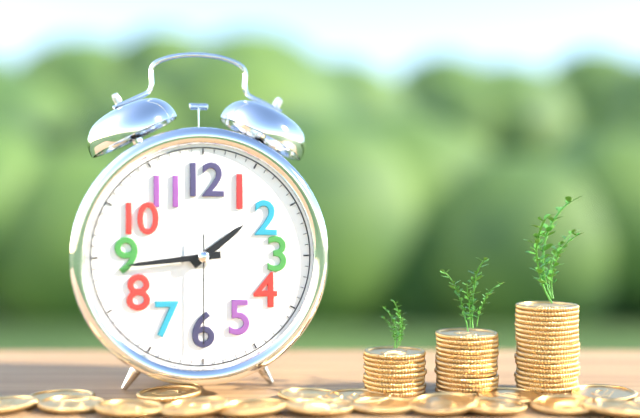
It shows {"hour": 1, "minute": 44, "second": 30}
